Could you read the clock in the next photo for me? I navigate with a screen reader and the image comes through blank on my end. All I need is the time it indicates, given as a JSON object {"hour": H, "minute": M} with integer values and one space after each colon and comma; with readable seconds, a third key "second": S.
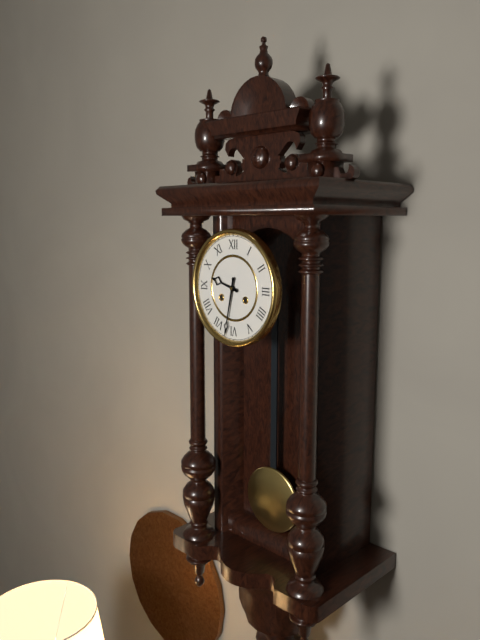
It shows {"hour": 9, "minute": 32}
